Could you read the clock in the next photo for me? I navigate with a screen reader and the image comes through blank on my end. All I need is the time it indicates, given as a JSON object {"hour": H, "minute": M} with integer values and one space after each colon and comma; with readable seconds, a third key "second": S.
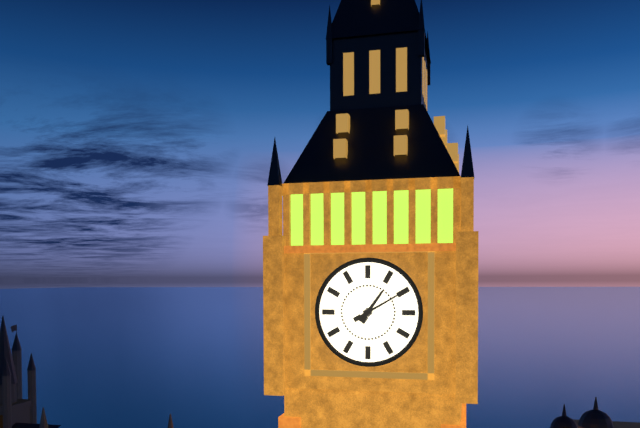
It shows {"hour": 1, "minute": 10}
